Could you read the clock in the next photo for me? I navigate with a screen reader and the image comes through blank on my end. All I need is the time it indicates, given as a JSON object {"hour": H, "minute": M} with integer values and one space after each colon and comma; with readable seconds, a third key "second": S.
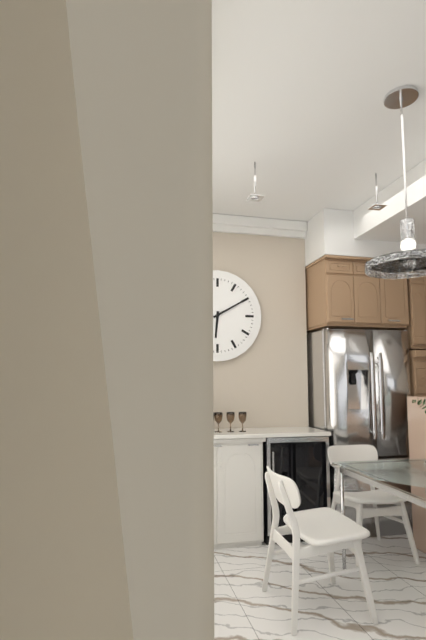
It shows {"hour": 6, "minute": 10}
